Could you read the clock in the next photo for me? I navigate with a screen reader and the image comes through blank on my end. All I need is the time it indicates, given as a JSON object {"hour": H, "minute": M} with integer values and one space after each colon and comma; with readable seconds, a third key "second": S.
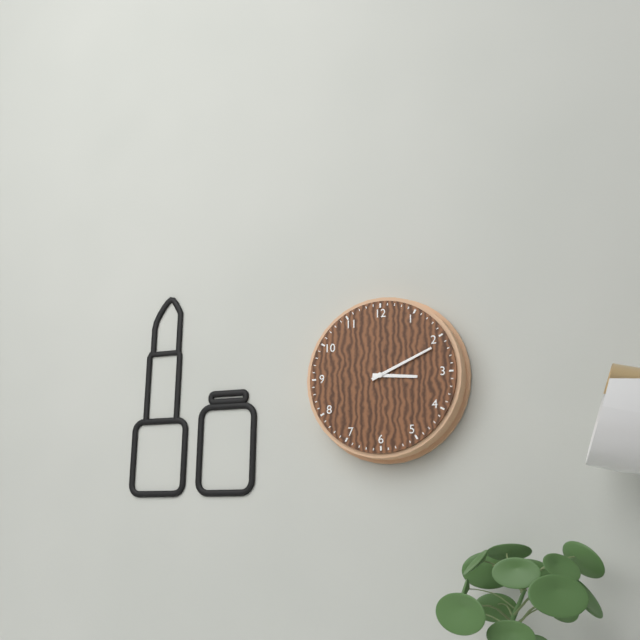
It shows {"hour": 3, "minute": 11}
